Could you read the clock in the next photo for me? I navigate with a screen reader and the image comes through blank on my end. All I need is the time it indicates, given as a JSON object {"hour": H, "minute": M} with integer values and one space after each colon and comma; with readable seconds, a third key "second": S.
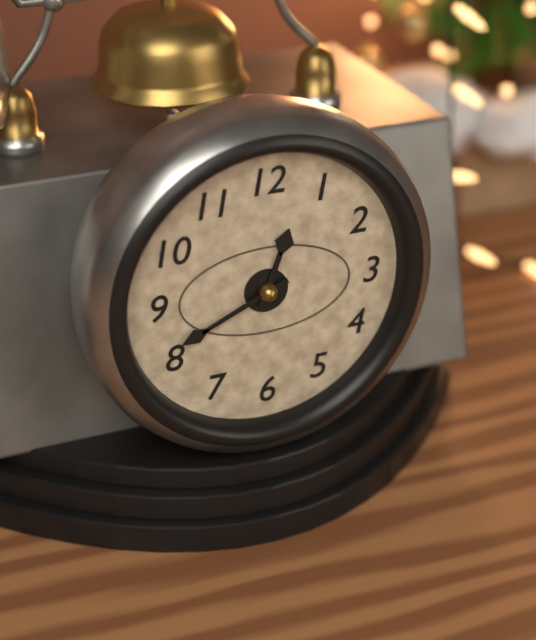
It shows {"hour": 12, "minute": 41}
